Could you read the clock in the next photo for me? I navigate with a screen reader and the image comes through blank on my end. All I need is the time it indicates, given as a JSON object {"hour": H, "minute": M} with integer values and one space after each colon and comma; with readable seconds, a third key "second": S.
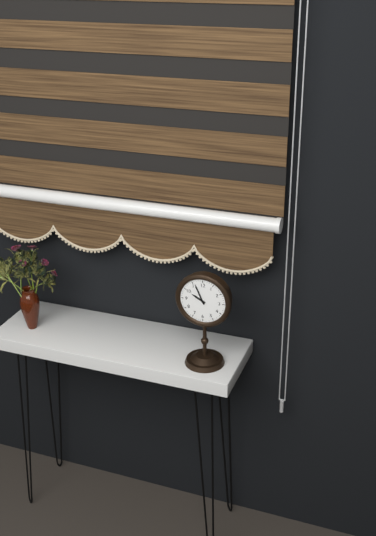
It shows {"hour": 9, "minute": 56}
